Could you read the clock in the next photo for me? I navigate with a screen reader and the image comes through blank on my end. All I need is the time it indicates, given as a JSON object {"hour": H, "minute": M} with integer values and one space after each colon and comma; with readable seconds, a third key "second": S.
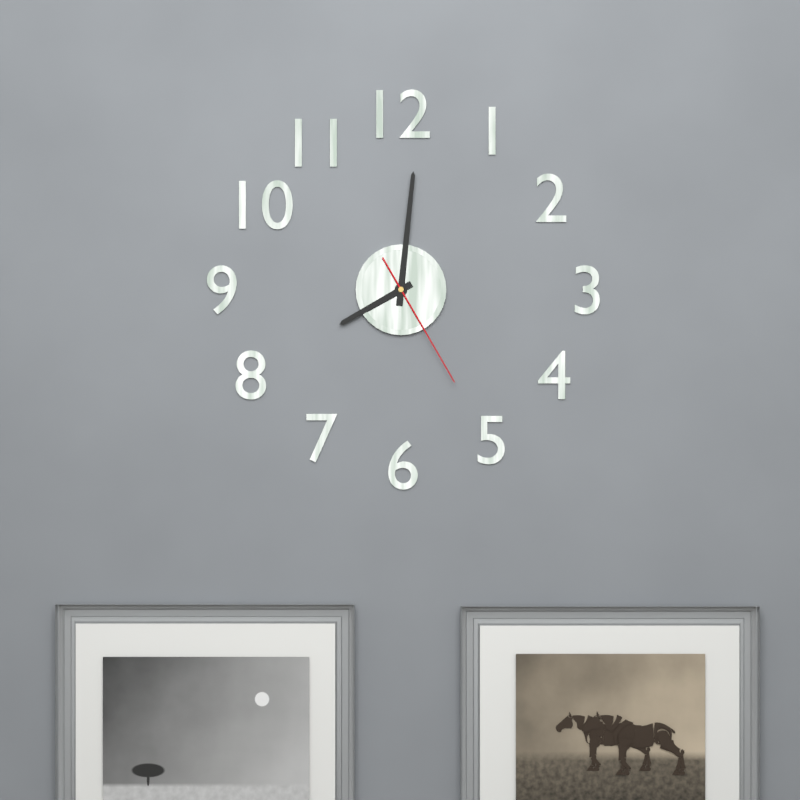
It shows {"hour": 8, "minute": 1, "second": 25}
